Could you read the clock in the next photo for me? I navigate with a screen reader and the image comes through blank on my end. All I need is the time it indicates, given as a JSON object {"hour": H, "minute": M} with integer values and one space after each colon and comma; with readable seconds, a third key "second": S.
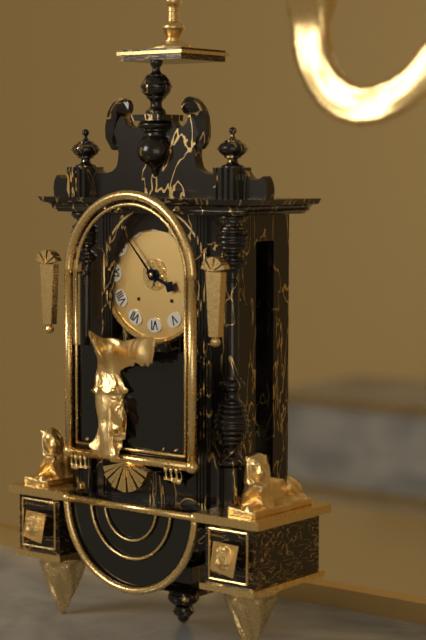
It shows {"hour": 3, "minute": 53}
